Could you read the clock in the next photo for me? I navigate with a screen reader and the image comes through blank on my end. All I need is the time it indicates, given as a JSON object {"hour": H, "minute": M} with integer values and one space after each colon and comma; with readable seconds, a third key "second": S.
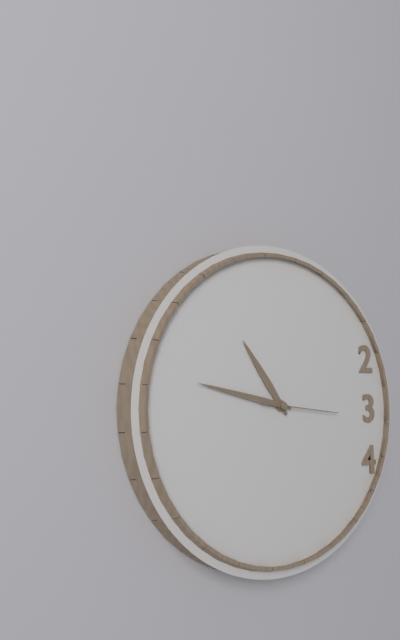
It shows {"hour": 10, "minute": 47, "second": 16}
